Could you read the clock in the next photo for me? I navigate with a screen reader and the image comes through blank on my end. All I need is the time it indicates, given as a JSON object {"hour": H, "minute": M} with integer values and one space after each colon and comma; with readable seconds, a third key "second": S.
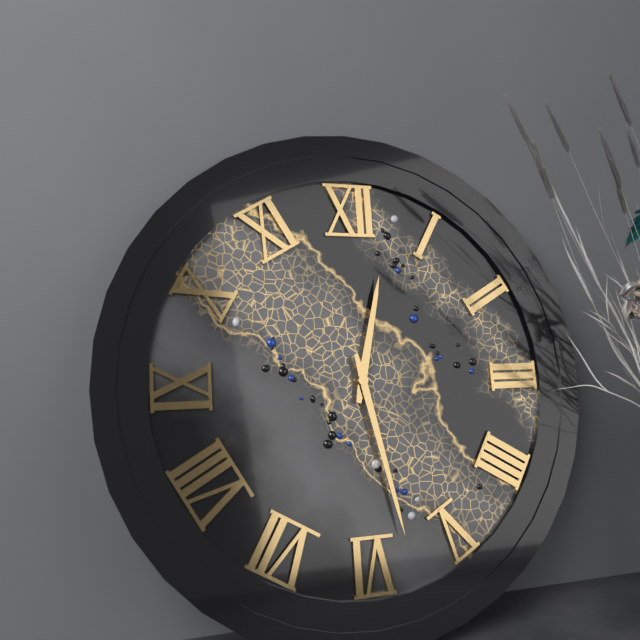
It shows {"hour": 12, "minute": 28}
